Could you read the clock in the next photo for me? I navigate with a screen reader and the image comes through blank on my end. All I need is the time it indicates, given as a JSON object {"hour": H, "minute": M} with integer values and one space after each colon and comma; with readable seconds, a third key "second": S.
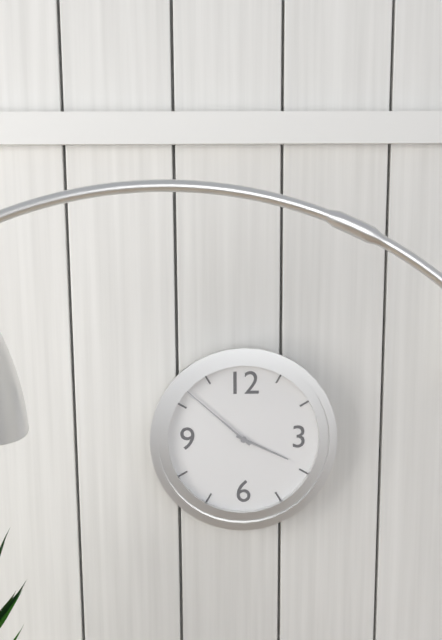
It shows {"hour": 3, "minute": 52}
